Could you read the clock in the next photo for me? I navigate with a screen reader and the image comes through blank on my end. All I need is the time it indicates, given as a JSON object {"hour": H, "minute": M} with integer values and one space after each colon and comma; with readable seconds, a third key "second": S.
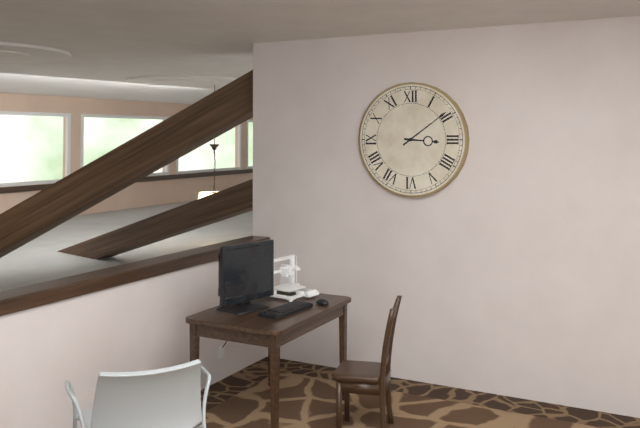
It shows {"hour": 3, "minute": 9}
